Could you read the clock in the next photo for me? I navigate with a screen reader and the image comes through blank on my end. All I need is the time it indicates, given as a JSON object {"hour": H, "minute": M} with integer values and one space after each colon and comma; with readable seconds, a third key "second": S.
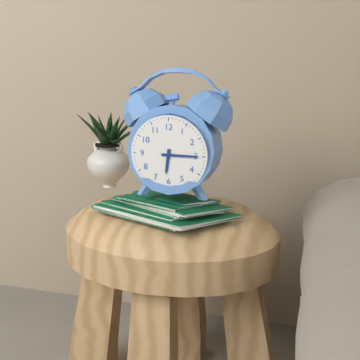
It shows {"hour": 6, "minute": 15}
